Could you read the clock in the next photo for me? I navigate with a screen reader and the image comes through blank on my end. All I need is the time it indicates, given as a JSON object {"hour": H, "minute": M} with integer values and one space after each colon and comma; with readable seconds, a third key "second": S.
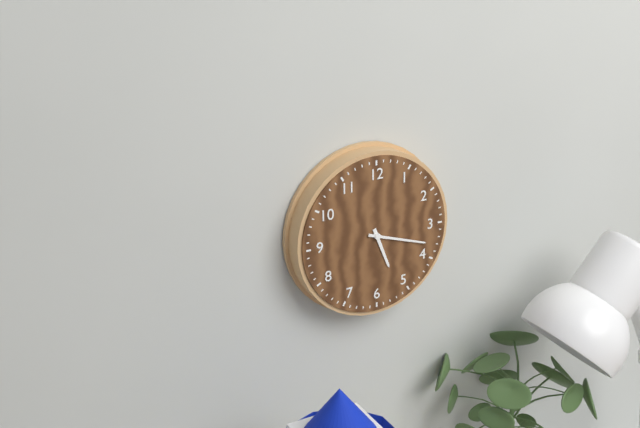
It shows {"hour": 5, "minute": 18}
